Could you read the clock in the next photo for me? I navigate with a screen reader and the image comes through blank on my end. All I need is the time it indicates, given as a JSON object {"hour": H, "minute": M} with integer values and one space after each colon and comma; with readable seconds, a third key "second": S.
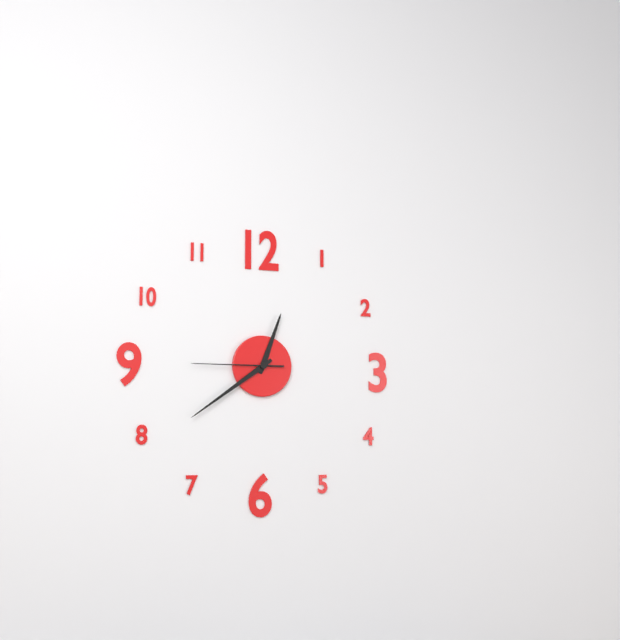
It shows {"hour": 12, "minute": 39, "second": 45}
